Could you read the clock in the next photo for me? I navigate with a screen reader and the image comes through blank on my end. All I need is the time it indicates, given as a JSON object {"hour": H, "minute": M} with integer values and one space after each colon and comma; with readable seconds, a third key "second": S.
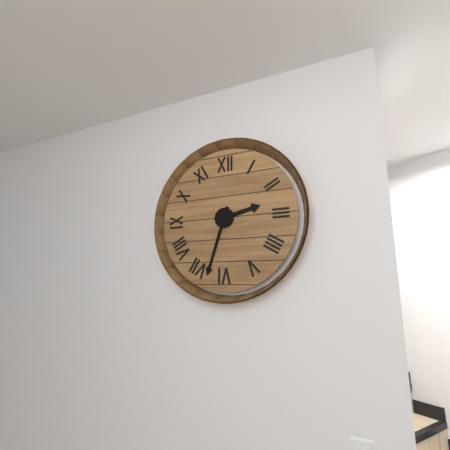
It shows {"hour": 2, "minute": 33}
